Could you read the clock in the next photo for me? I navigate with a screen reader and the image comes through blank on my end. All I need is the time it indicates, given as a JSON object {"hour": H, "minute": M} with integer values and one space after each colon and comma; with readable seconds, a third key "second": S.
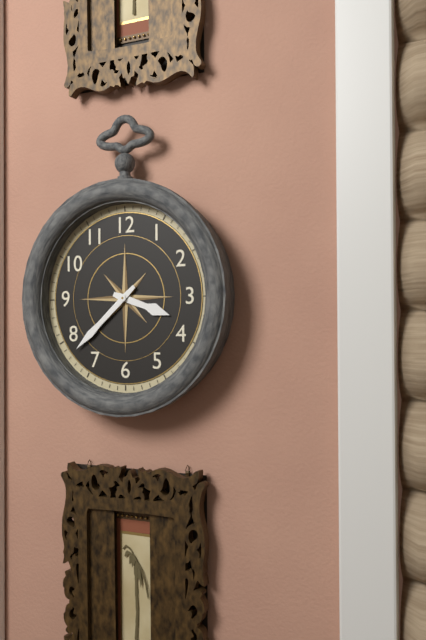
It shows {"hour": 3, "minute": 38}
